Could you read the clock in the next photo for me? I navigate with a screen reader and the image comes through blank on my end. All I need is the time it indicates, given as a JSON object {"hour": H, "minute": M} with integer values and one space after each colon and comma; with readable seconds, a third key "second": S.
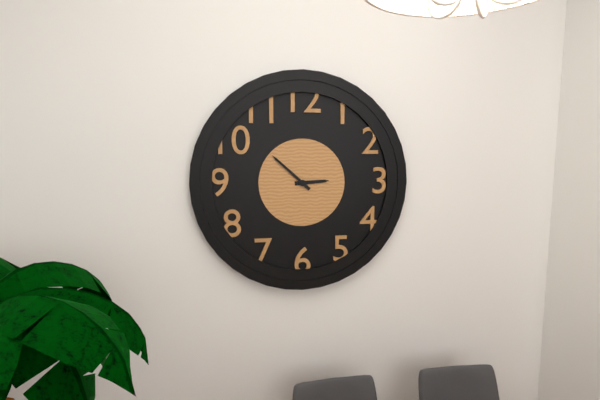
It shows {"hour": 2, "minute": 52}
